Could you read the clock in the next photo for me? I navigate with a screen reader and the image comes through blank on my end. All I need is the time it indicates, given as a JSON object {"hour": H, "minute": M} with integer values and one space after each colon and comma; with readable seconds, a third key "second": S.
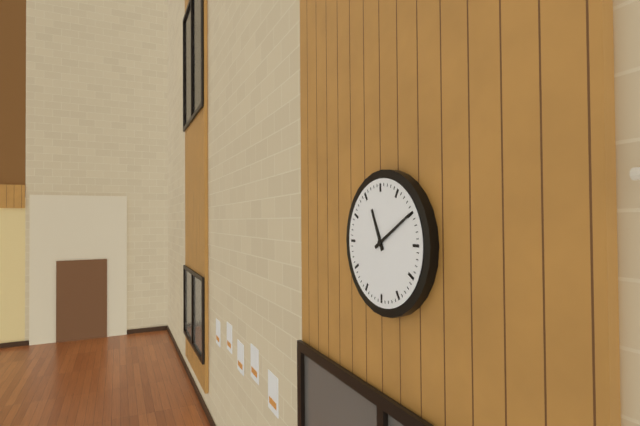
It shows {"hour": 11, "minute": 10}
